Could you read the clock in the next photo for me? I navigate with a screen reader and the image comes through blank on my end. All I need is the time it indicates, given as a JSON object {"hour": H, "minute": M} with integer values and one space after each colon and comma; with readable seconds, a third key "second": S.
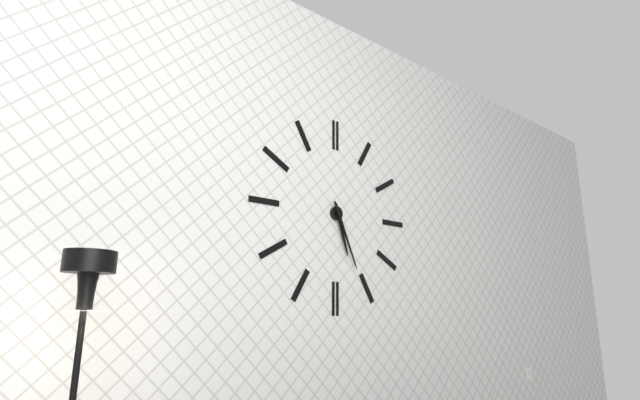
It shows {"hour": 5, "minute": 26}
